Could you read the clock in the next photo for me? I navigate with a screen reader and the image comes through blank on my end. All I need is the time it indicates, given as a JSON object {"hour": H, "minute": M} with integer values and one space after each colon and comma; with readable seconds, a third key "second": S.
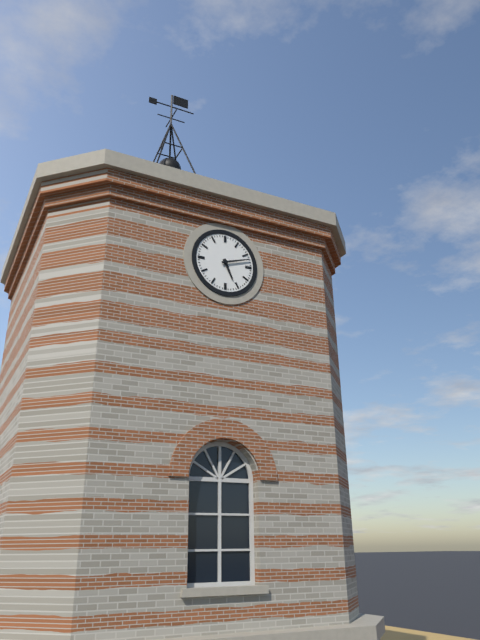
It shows {"hour": 5, "minute": 12}
